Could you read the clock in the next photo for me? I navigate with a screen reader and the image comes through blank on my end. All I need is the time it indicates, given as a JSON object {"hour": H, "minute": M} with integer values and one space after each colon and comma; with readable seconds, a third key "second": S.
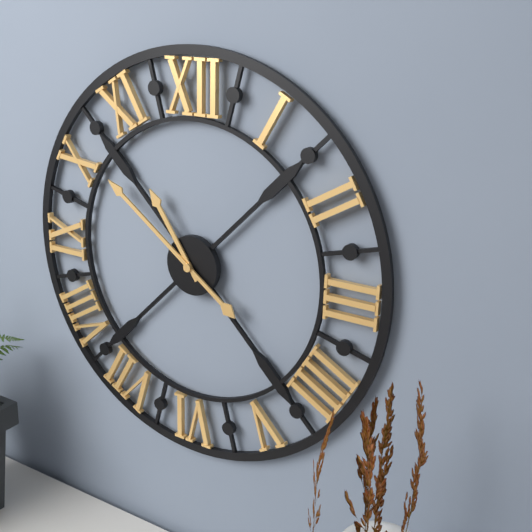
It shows {"hour": 10, "minute": 51}
